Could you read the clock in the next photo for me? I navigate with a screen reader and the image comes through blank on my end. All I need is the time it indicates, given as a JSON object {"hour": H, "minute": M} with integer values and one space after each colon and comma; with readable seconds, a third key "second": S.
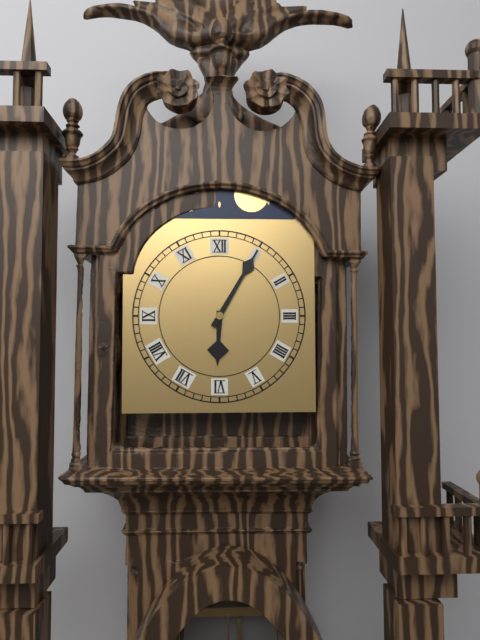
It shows {"hour": 6, "minute": 5}
